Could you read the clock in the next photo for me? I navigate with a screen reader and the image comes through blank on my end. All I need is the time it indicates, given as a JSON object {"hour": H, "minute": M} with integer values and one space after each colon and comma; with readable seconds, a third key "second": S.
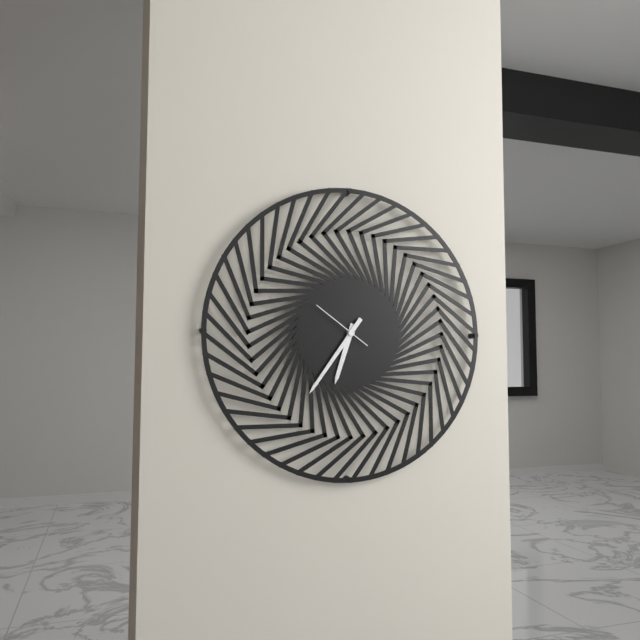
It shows {"hour": 6, "minute": 36, "second": 51}
